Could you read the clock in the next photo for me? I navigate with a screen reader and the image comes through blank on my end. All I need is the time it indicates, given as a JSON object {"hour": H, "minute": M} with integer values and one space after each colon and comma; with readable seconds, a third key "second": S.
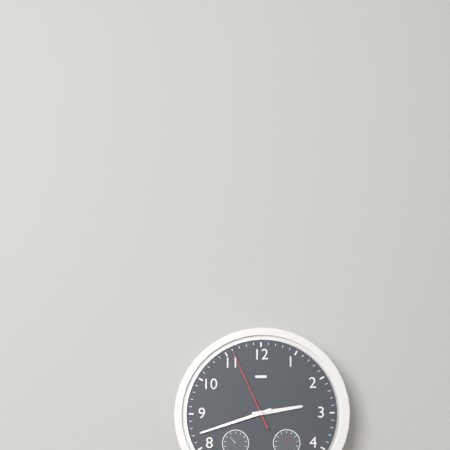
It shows {"hour": 2, "minute": 42, "second": 56}
